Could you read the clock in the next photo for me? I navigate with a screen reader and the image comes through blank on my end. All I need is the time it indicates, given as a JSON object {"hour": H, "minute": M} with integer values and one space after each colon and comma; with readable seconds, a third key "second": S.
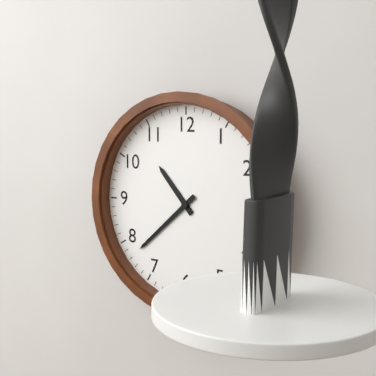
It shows {"hour": 10, "minute": 38}
